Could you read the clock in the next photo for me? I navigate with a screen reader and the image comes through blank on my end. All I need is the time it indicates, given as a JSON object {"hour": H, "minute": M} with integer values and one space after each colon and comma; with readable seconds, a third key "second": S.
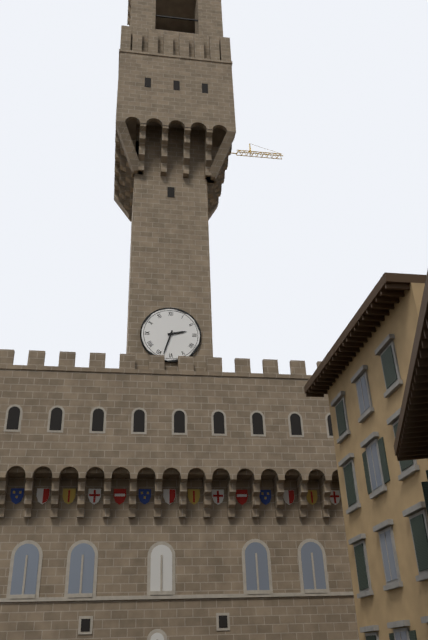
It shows {"hour": 2, "minute": 33}
